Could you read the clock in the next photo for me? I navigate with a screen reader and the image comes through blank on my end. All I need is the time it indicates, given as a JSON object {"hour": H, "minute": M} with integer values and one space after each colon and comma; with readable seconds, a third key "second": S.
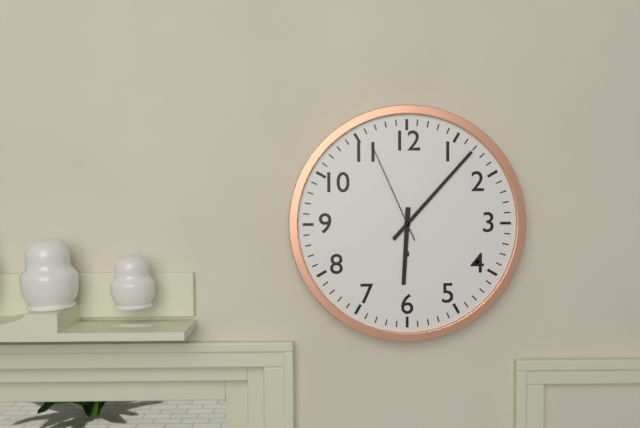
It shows {"hour": 6, "minute": 7, "second": 56}
